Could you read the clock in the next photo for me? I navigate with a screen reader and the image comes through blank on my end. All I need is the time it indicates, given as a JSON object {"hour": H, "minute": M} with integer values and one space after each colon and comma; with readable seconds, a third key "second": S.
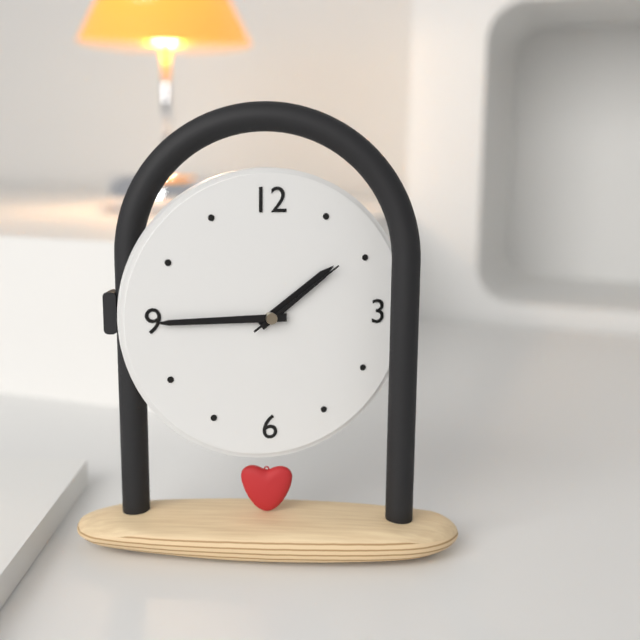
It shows {"hour": 1, "minute": 45, "second": 9}
